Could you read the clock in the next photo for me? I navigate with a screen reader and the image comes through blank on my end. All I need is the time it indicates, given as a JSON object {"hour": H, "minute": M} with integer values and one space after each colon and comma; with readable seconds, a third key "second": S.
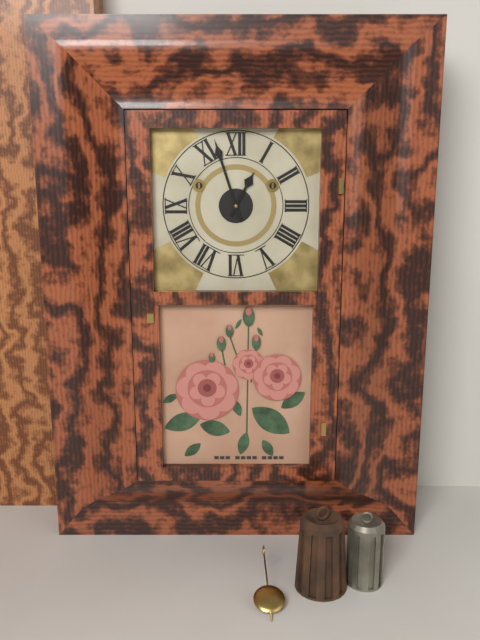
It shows {"hour": 12, "minute": 57}
